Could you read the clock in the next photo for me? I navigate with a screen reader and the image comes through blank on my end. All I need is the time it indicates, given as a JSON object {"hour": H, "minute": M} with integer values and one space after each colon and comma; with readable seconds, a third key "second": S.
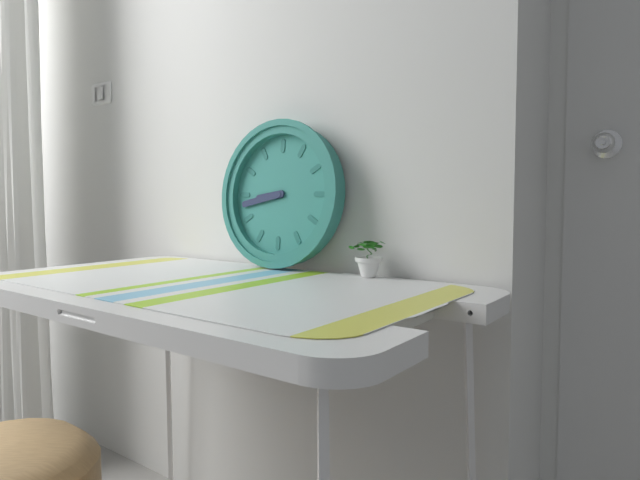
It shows {"hour": 8, "minute": 43}
